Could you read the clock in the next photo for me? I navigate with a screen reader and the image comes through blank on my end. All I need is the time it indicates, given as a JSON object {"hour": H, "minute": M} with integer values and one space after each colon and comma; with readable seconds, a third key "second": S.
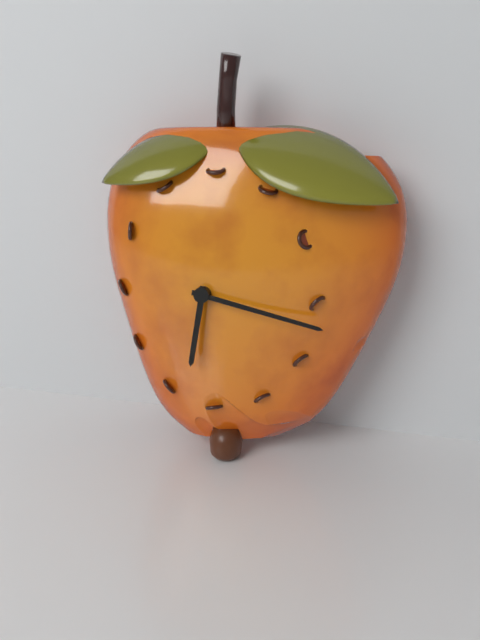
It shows {"hour": 6, "minute": 17}
